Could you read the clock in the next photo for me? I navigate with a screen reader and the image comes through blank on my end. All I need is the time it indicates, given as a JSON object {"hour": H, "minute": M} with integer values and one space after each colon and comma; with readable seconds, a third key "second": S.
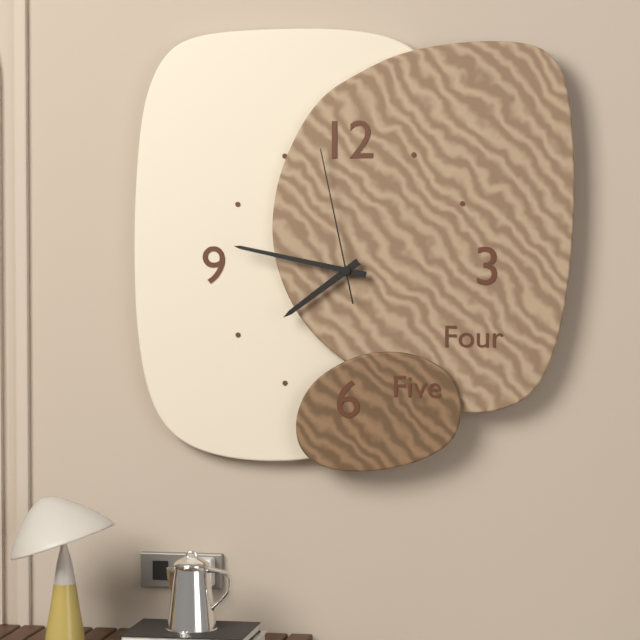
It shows {"hour": 7, "minute": 47, "second": 58}
